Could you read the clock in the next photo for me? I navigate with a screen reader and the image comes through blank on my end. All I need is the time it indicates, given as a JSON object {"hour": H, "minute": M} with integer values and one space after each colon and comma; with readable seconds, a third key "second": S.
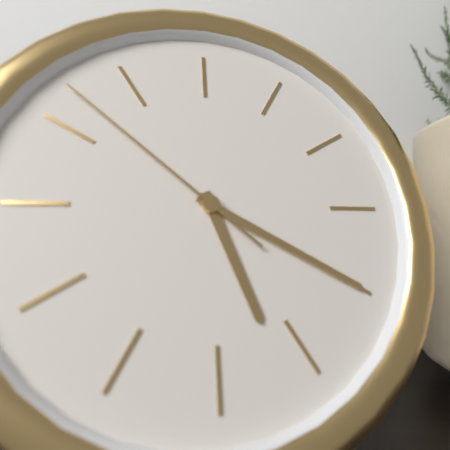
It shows {"hour": 5, "minute": 20, "second": 52}
